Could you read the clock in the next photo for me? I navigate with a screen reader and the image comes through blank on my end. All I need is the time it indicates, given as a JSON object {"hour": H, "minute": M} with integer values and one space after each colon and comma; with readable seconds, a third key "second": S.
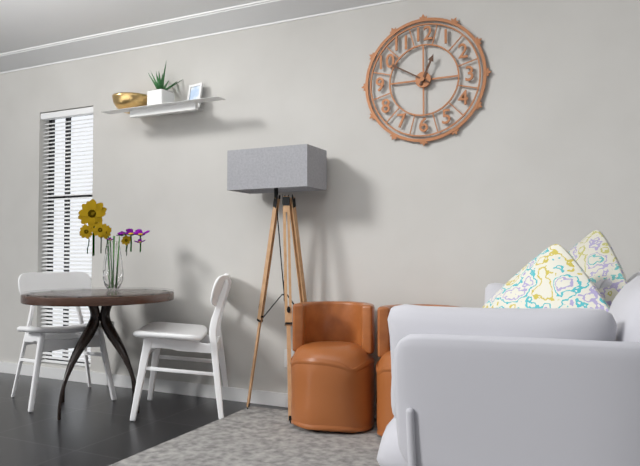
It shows {"hour": 12, "minute": 50}
